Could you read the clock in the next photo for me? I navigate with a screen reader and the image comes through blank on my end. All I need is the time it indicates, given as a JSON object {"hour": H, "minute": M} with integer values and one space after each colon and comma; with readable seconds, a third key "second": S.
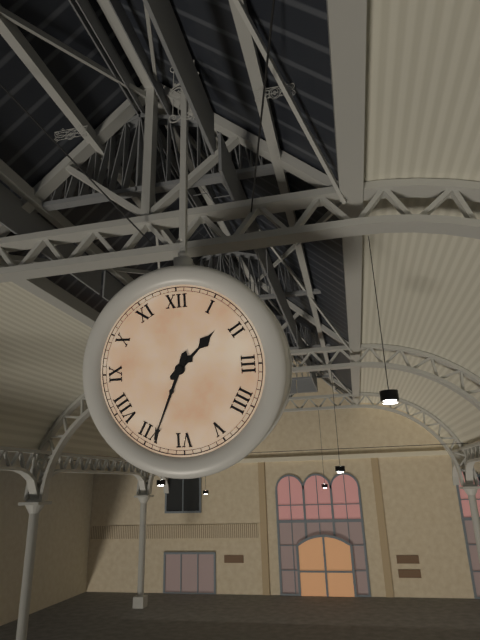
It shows {"hour": 1, "minute": 34}
